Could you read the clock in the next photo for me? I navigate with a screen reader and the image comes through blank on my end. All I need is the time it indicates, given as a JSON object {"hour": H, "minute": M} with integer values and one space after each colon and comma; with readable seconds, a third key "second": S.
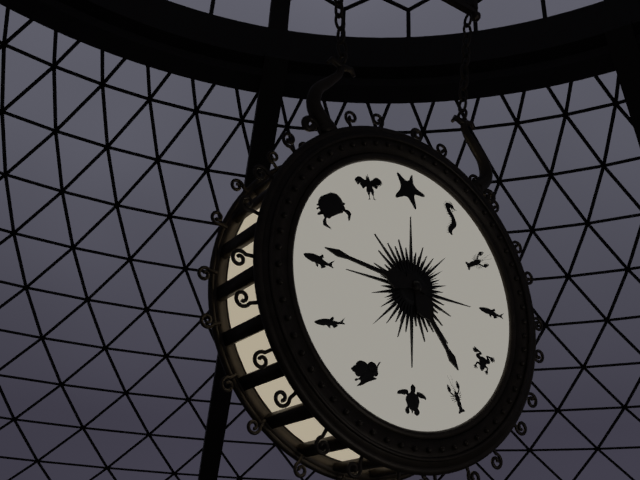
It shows {"hour": 4, "minute": 46}
